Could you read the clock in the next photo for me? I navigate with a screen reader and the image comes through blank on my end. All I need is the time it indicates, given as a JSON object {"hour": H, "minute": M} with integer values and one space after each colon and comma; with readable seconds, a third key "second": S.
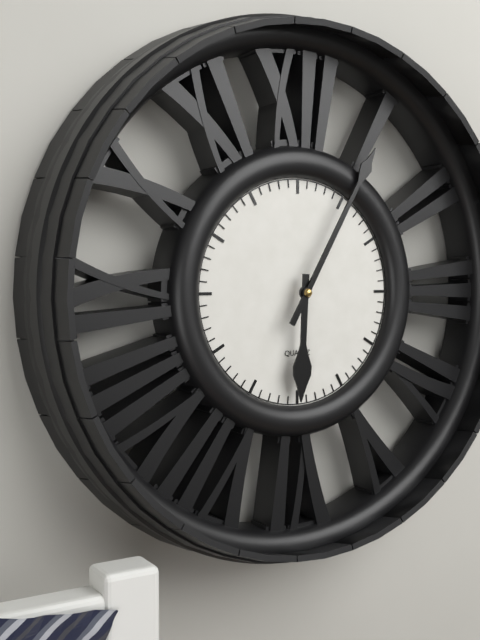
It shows {"hour": 6, "minute": 5}
